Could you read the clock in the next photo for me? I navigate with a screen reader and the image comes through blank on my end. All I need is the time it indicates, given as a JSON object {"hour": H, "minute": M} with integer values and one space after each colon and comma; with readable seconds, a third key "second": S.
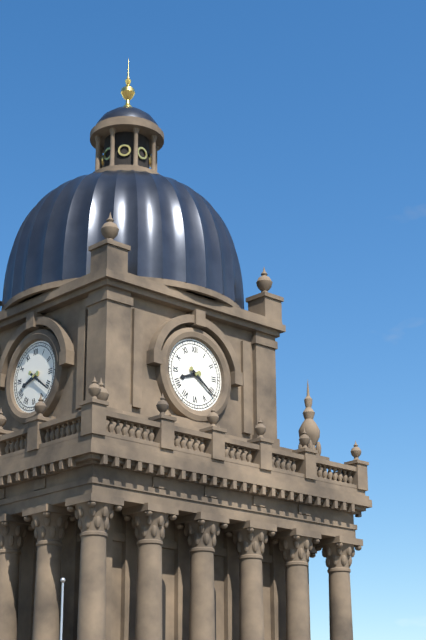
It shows {"hour": 8, "minute": 21}
